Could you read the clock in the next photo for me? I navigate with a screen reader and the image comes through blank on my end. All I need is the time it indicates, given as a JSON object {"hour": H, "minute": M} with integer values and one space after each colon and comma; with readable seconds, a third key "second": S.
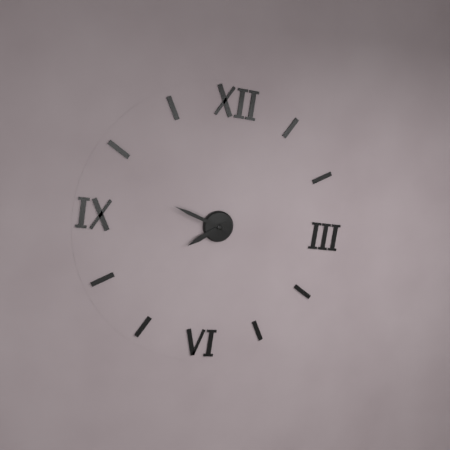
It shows {"hour": 7, "minute": 48}
